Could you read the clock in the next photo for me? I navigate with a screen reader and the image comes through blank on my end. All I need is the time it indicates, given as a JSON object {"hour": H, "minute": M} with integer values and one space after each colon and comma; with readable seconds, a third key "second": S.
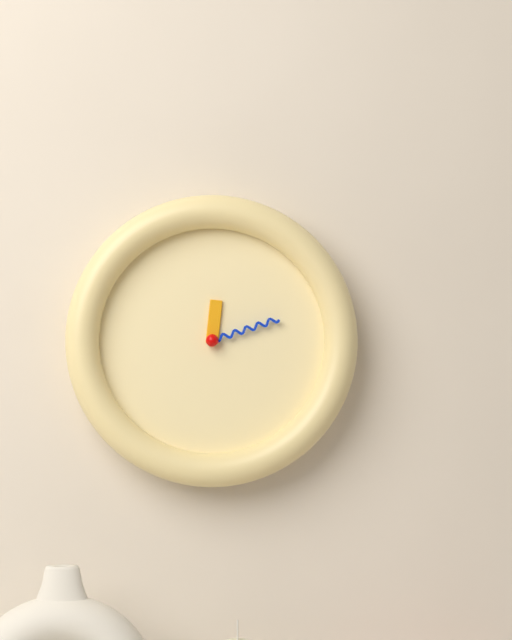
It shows {"hour": 12, "minute": 12}
